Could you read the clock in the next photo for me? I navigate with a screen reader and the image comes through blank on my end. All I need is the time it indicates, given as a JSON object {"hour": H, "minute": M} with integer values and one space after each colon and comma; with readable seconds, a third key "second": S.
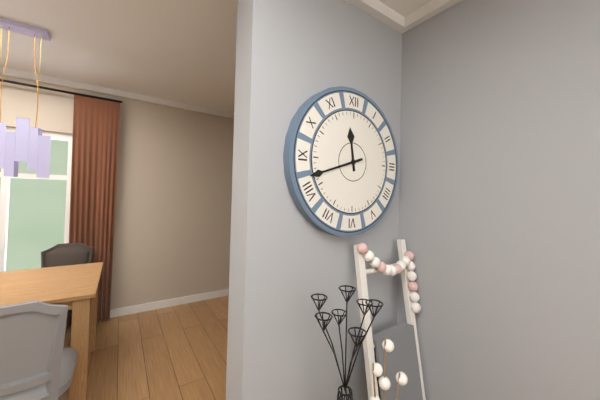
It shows {"hour": 11, "minute": 42}
